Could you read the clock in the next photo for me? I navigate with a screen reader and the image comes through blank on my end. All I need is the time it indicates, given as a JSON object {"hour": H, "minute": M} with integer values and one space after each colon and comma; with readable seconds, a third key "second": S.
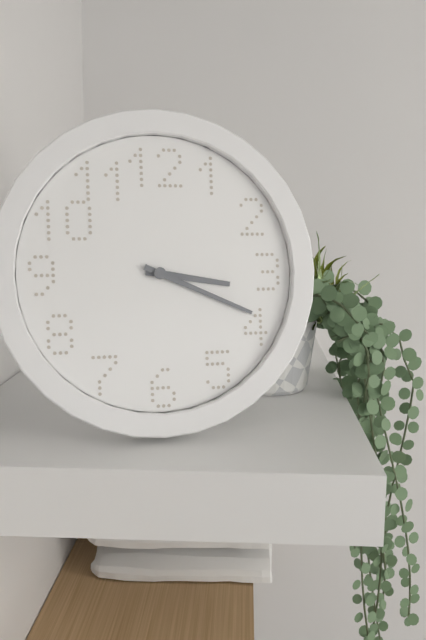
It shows {"hour": 3, "minute": 19}
